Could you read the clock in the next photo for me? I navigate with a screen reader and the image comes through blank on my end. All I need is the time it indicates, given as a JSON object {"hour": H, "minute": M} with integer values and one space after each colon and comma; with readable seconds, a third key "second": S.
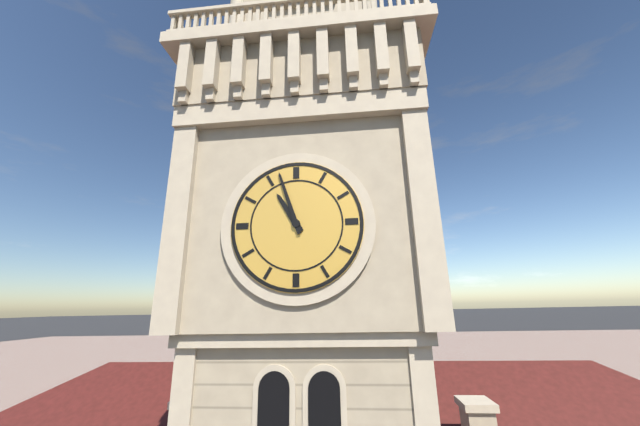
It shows {"hour": 10, "minute": 57}
